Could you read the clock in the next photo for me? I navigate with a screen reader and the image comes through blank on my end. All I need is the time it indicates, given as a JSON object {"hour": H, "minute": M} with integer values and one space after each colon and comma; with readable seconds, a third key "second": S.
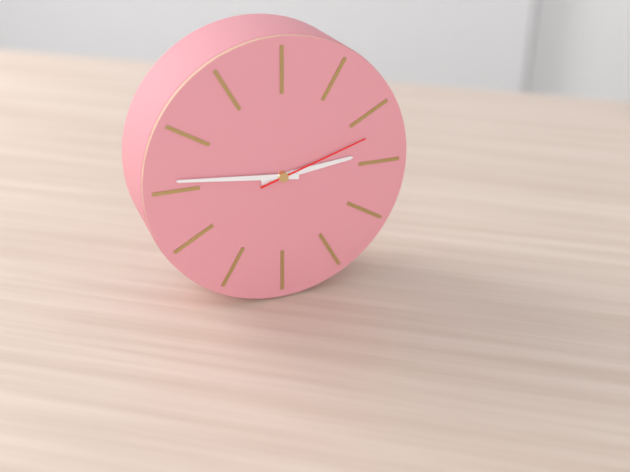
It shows {"hour": 2, "minute": 46, "second": 12}
